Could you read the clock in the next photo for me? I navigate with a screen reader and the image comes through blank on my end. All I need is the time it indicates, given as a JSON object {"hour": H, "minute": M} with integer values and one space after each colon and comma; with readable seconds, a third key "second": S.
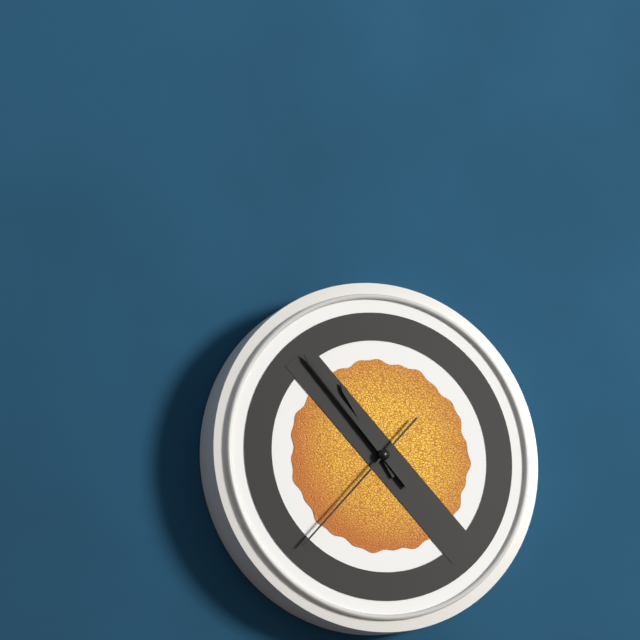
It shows {"hour": 10, "minute": 53, "second": 37}
